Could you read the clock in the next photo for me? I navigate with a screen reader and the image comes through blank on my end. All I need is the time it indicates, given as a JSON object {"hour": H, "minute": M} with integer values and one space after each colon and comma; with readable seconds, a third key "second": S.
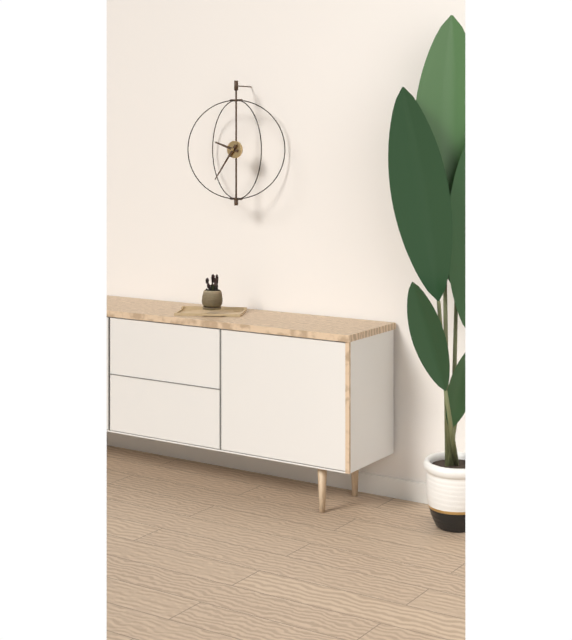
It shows {"hour": 9, "minute": 36}
